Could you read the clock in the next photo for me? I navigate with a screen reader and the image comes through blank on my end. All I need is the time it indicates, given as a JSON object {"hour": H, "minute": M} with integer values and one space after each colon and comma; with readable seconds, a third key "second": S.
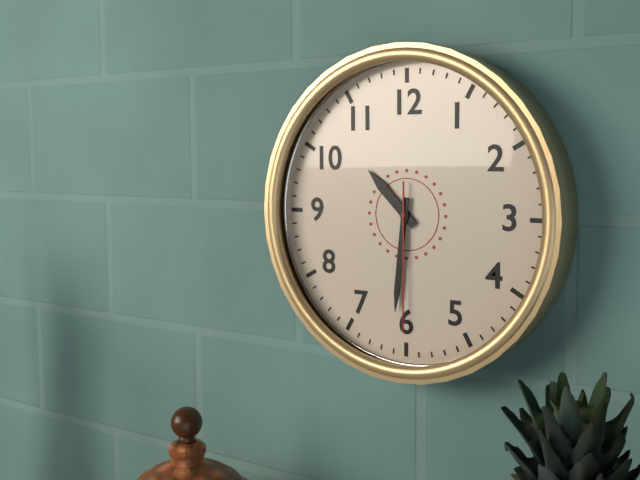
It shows {"hour": 10, "minute": 31, "second": 30}
